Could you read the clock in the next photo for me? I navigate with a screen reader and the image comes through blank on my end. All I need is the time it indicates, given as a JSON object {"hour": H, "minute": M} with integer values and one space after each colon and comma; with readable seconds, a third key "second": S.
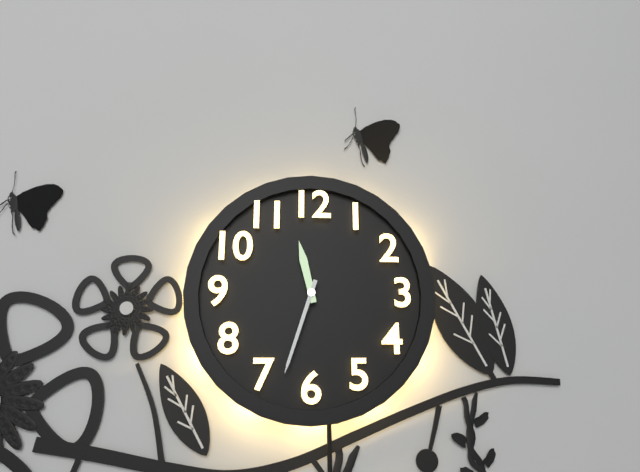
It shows {"hour": 11, "minute": 33}
